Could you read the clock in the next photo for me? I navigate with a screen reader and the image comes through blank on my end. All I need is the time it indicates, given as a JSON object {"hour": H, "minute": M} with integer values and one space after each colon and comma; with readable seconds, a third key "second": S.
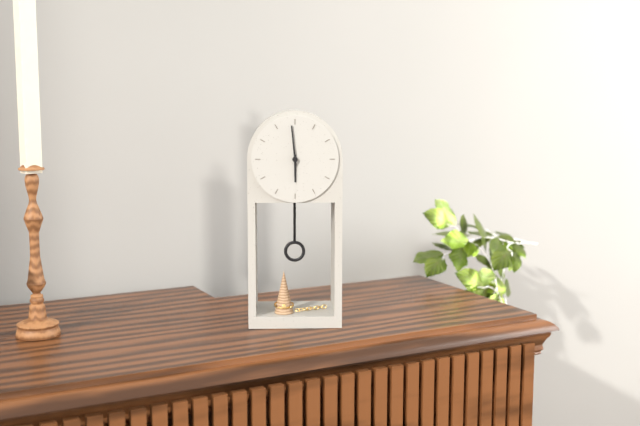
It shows {"hour": 5, "minute": 59}
